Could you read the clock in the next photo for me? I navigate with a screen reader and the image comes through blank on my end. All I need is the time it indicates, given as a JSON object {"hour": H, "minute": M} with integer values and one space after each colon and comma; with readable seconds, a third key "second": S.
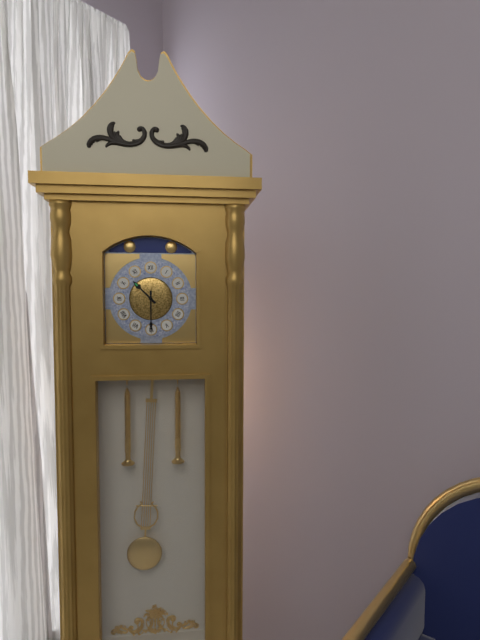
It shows {"hour": 10, "minute": 30}
